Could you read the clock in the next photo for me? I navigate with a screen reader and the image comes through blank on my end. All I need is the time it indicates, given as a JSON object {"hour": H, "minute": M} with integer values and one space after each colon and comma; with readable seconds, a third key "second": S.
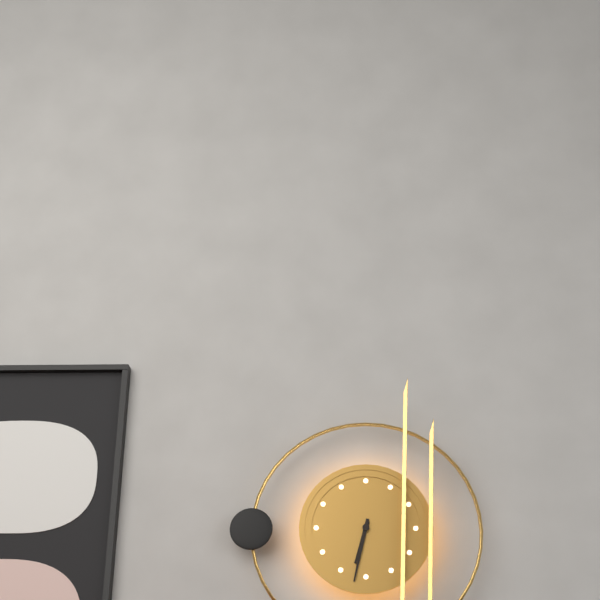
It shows {"hour": 6, "minute": 32}
